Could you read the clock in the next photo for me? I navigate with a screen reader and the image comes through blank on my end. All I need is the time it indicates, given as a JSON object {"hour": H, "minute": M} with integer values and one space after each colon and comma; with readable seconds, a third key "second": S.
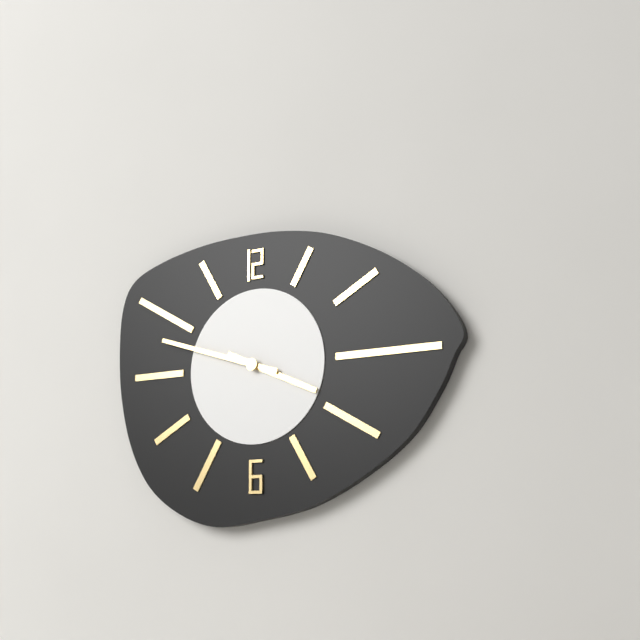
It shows {"hour": 3, "minute": 48}
